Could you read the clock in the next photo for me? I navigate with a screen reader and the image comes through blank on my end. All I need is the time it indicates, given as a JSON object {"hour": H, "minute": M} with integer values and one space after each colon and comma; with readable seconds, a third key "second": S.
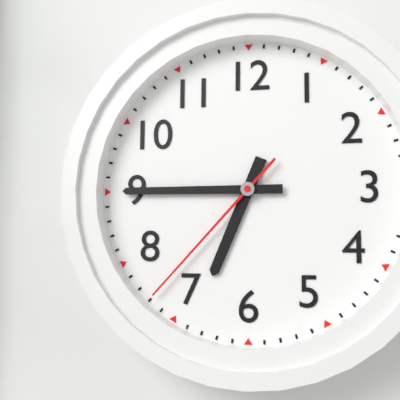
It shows {"hour": 6, "minute": 45, "second": 37}
